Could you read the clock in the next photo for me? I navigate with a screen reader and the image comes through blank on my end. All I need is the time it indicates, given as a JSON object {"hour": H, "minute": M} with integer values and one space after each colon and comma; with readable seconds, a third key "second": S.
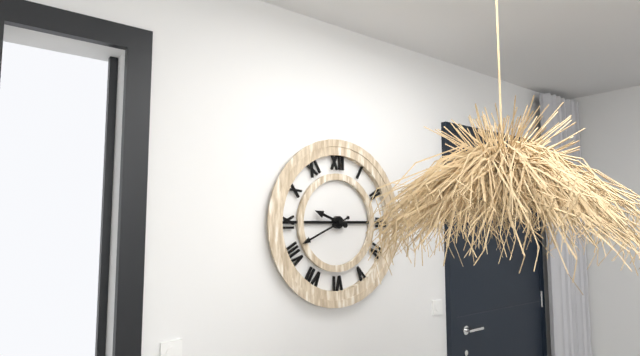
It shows {"hour": 9, "minute": 41}
